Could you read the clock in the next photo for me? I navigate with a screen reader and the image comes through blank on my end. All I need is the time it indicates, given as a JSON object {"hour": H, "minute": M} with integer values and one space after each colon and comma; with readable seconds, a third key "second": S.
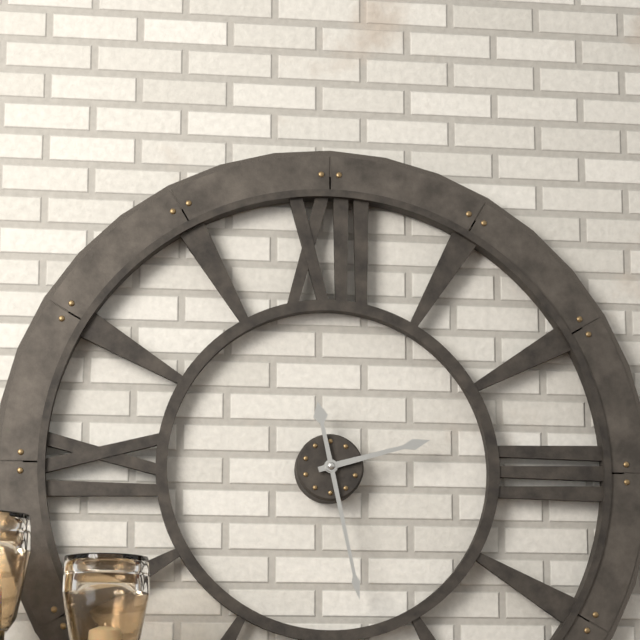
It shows {"hour": 2, "minute": 28}
